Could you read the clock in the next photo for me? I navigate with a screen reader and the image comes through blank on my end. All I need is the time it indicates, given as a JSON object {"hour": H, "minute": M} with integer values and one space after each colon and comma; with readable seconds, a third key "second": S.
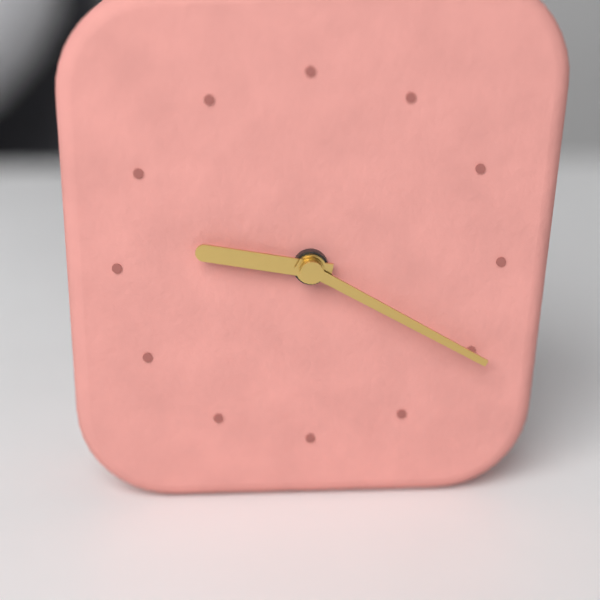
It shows {"hour": 9, "minute": 20}
